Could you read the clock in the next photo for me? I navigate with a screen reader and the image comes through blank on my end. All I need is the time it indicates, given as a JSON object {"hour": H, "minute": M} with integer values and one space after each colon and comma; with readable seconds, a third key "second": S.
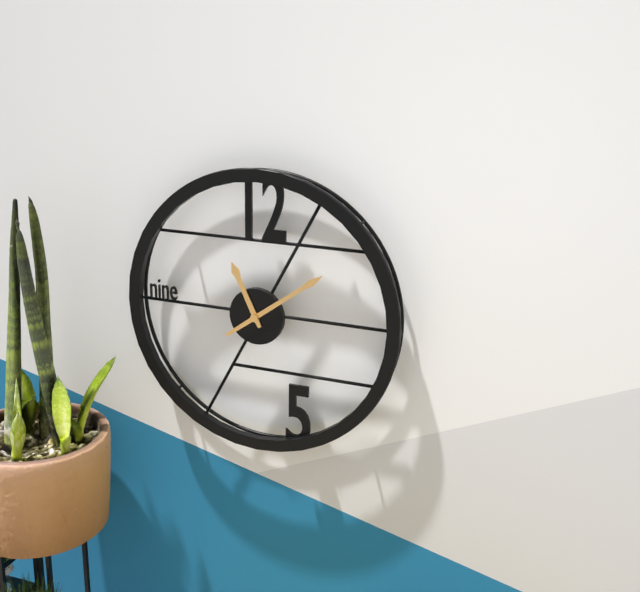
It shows {"hour": 11, "minute": 9}
